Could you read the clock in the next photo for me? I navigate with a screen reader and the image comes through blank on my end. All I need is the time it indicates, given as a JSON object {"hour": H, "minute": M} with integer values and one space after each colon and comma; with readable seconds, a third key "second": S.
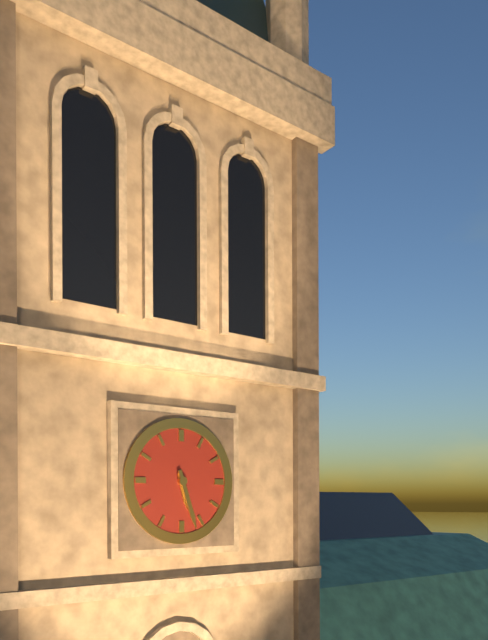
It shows {"hour": 5, "minute": 27}
